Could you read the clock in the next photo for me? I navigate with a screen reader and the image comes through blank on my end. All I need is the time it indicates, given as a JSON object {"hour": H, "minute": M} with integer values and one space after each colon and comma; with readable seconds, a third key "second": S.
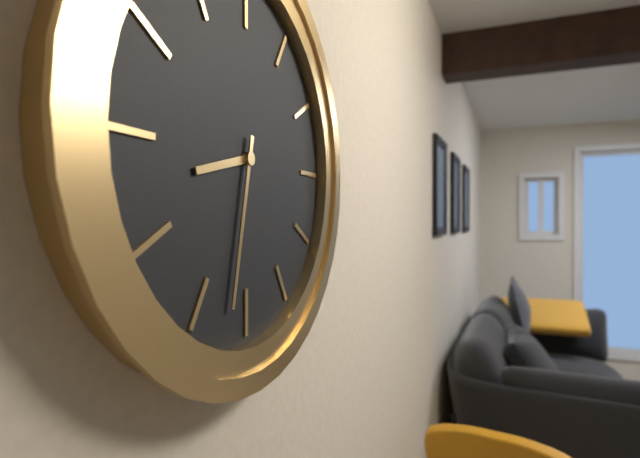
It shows {"hour": 8, "minute": 32}
